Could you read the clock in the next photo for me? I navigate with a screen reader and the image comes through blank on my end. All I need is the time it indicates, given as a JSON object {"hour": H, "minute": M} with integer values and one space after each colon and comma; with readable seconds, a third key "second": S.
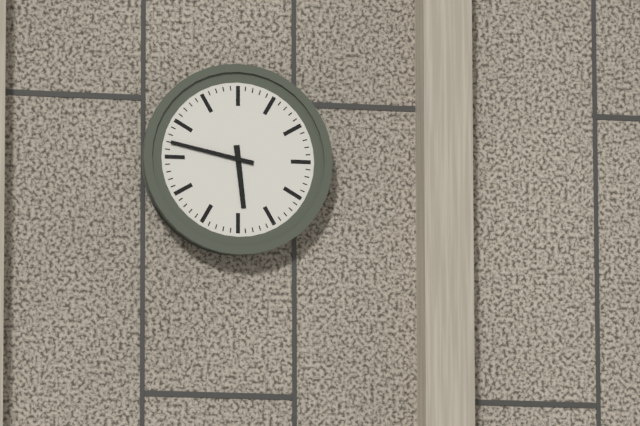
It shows {"hour": 5, "minute": 47}
